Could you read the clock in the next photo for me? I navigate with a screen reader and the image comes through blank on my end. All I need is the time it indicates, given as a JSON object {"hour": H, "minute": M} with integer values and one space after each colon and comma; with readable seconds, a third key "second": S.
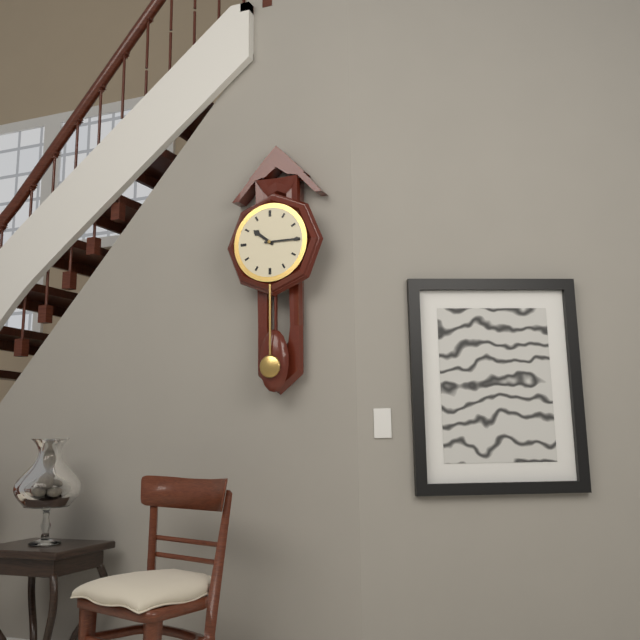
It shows {"hour": 10, "minute": 15}
